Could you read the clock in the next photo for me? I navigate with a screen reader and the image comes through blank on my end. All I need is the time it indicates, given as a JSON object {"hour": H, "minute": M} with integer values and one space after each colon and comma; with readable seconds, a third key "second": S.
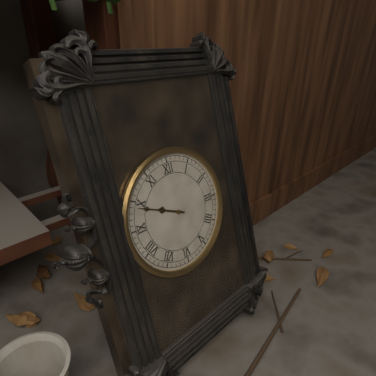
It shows {"hour": 9, "minute": 49}
